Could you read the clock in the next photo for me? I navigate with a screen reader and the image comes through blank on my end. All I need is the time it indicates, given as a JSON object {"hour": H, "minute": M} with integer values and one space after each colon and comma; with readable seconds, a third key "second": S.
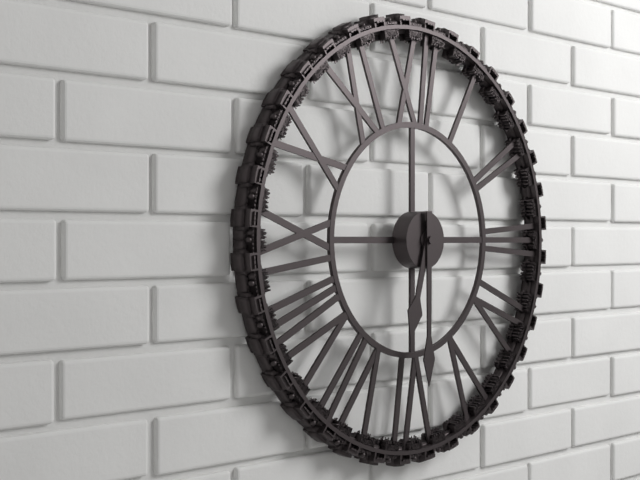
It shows {"hour": 6, "minute": 30}
